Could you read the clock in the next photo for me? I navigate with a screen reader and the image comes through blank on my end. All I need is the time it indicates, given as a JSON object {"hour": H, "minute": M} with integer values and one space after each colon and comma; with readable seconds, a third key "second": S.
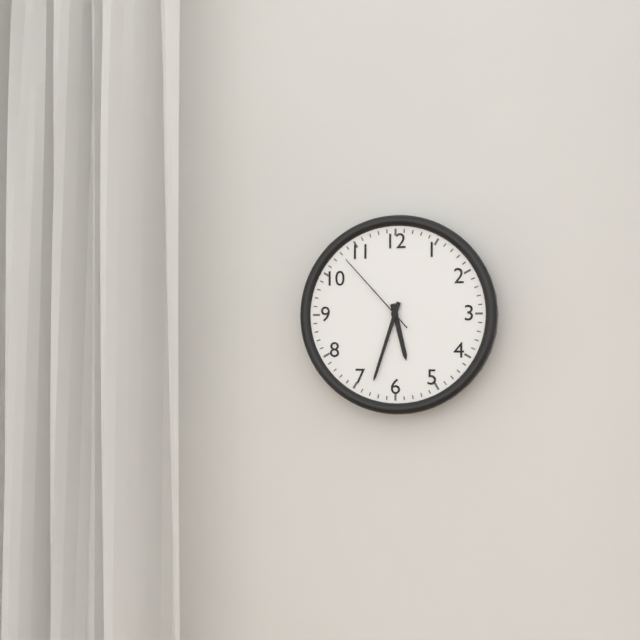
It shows {"hour": 5, "minute": 33, "second": 53}
